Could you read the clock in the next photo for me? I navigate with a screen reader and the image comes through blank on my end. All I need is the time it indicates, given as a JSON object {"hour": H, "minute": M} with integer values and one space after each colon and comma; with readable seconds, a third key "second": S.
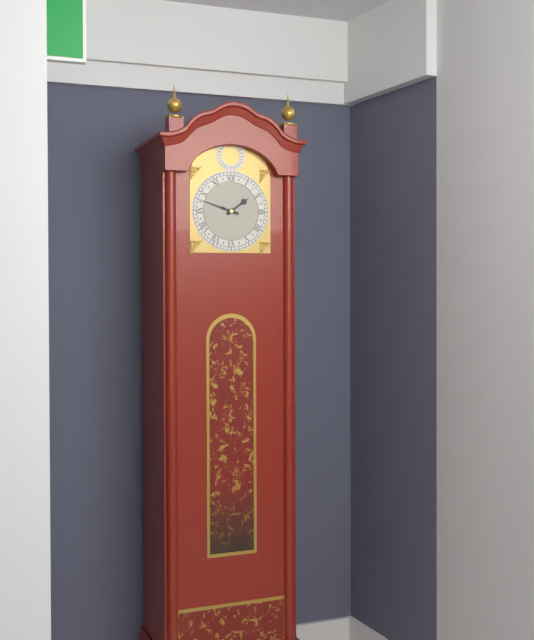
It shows {"hour": 1, "minute": 48}
